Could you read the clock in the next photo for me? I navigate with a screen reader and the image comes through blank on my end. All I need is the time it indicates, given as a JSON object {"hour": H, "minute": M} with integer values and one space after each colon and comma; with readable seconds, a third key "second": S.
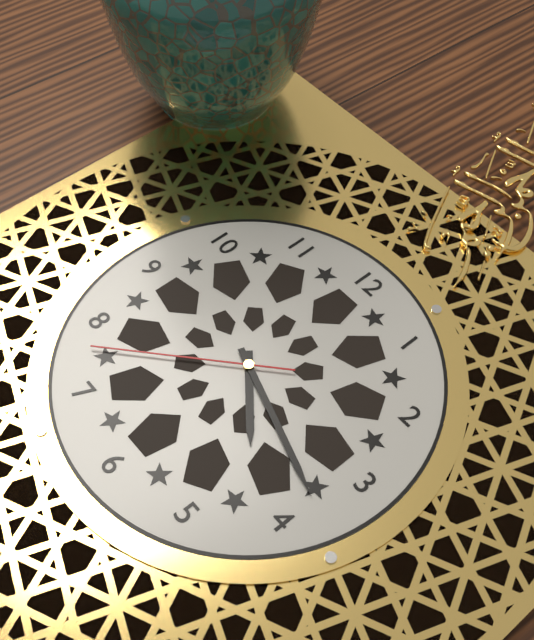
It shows {"hour": 4, "minute": 18, "second": 38}
